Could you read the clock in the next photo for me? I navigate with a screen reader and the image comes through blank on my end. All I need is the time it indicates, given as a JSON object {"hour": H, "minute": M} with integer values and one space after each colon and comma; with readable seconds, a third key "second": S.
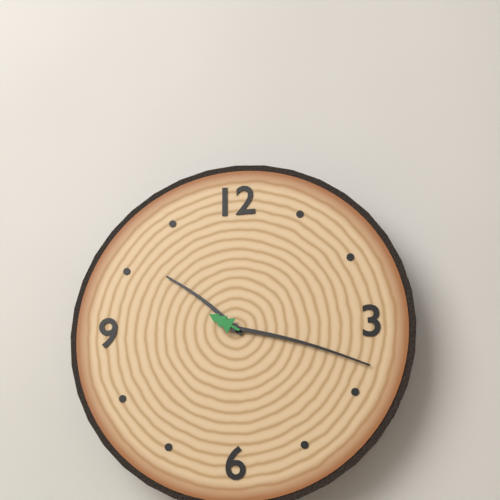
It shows {"hour": 10, "minute": 18}
